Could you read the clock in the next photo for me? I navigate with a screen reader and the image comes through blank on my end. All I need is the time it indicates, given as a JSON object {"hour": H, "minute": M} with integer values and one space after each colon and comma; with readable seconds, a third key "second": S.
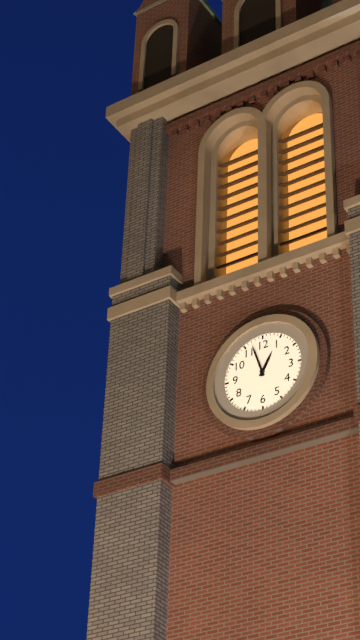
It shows {"hour": 12, "minute": 57}
